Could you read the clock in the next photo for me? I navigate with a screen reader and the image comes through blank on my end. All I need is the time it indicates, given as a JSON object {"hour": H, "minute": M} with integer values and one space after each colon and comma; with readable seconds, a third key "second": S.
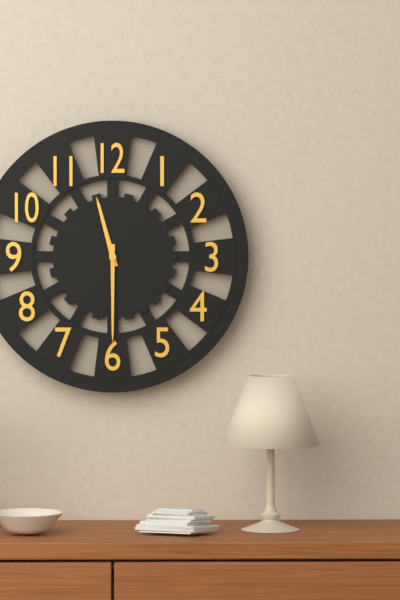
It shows {"hour": 11, "minute": 30}
